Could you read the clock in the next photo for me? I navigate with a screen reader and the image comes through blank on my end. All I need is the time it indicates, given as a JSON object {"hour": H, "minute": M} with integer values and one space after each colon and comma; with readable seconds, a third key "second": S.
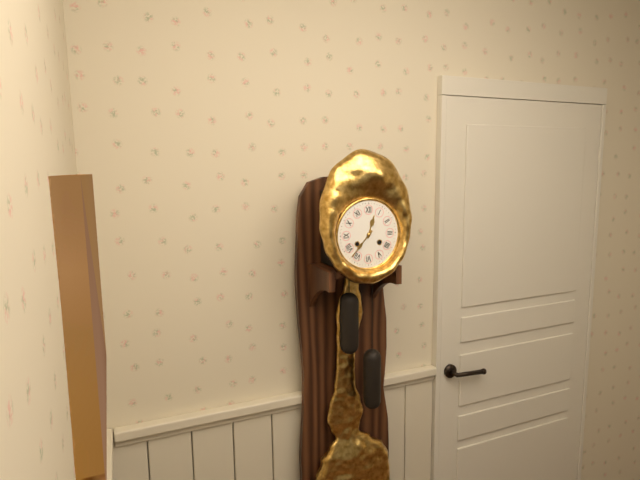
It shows {"hour": 12, "minute": 37}
